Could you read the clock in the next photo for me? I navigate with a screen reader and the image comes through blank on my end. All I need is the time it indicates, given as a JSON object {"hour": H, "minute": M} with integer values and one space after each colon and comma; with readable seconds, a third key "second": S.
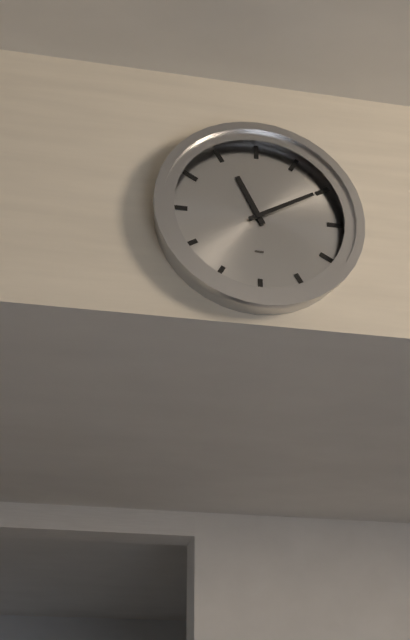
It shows {"hour": 11, "minute": 10}
